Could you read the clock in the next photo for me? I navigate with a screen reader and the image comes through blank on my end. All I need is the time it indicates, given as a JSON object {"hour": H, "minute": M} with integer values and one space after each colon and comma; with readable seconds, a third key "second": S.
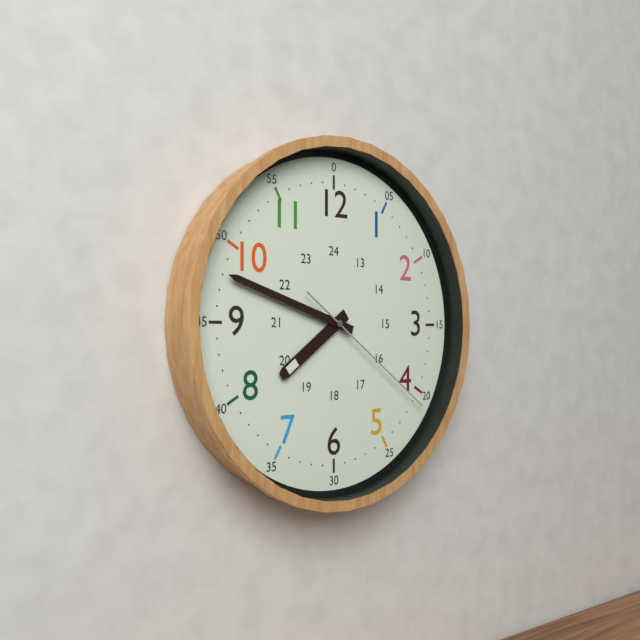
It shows {"hour": 7, "minute": 48, "second": 21}
